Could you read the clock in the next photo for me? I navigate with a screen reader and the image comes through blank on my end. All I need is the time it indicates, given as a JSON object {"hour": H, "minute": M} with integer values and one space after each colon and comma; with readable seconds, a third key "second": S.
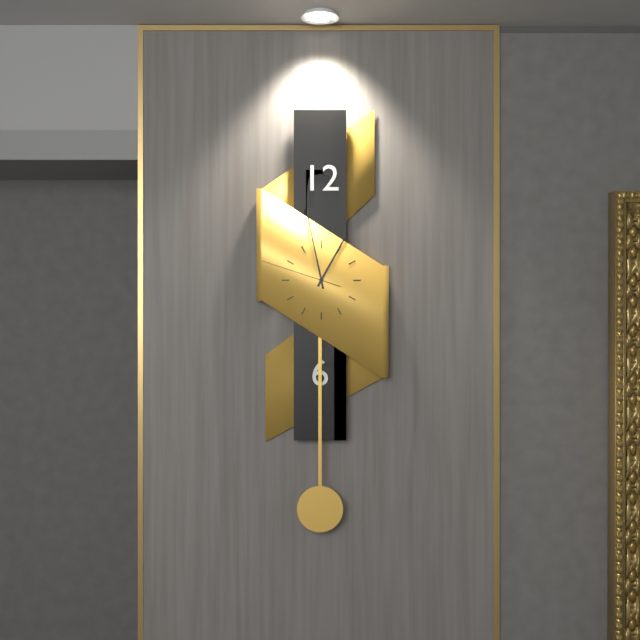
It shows {"hour": 12, "minute": 58, "second": 48}
